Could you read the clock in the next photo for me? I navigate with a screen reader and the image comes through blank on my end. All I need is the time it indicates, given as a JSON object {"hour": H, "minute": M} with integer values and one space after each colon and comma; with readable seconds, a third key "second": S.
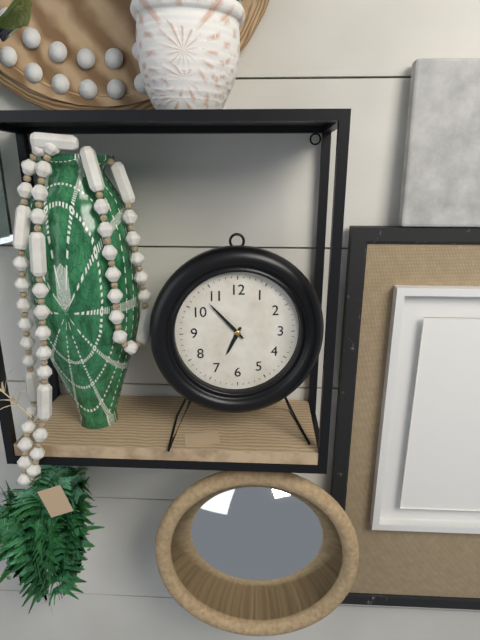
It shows {"hour": 6, "minute": 53}
